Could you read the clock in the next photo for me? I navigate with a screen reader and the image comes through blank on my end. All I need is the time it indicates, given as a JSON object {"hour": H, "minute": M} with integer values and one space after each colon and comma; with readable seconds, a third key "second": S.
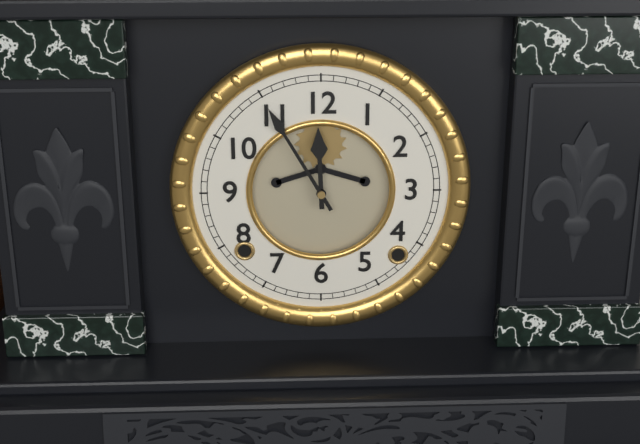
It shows {"hour": 11, "minute": 55}
